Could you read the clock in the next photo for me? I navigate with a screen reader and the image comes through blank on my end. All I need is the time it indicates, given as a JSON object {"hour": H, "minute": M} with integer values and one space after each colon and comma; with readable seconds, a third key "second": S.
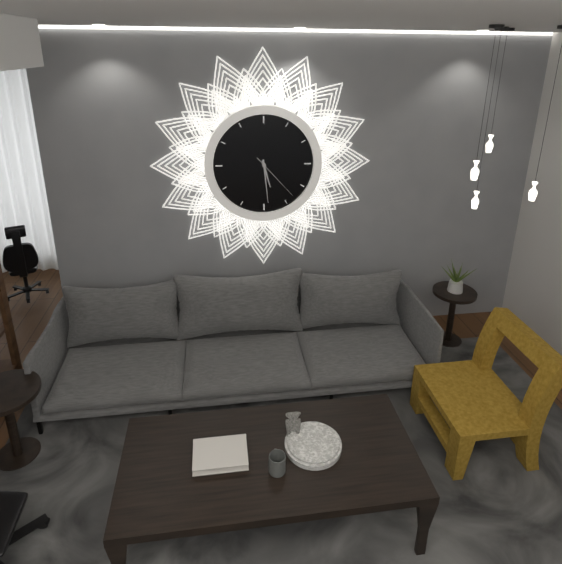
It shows {"hour": 5, "minute": 29, "second": 23}
